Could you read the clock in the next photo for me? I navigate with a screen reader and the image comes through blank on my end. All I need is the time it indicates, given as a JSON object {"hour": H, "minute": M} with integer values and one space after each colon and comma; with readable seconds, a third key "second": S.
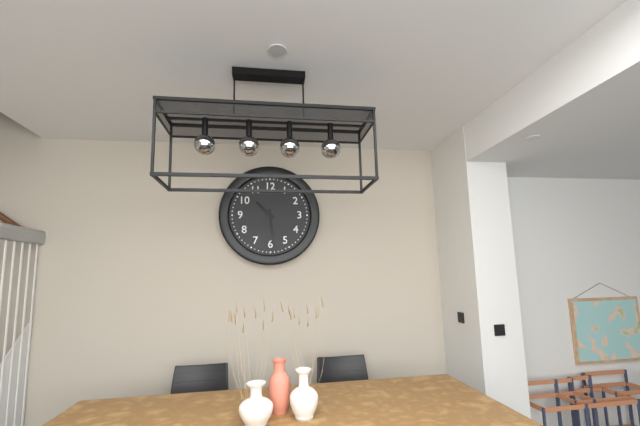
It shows {"hour": 10, "minute": 29}
